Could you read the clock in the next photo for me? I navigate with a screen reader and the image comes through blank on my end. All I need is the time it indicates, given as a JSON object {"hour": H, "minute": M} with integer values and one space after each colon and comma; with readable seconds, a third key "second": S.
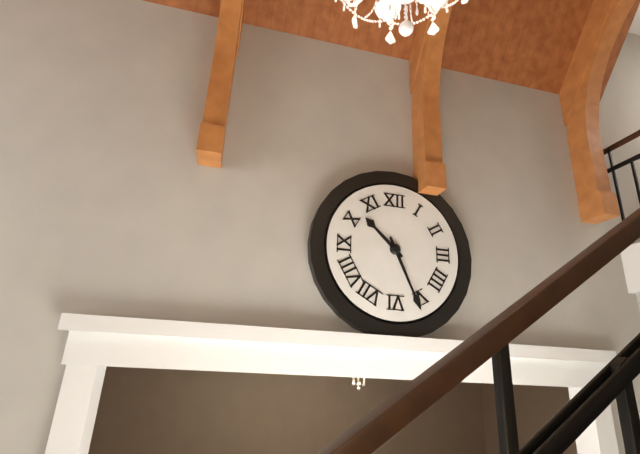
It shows {"hour": 10, "minute": 26}
